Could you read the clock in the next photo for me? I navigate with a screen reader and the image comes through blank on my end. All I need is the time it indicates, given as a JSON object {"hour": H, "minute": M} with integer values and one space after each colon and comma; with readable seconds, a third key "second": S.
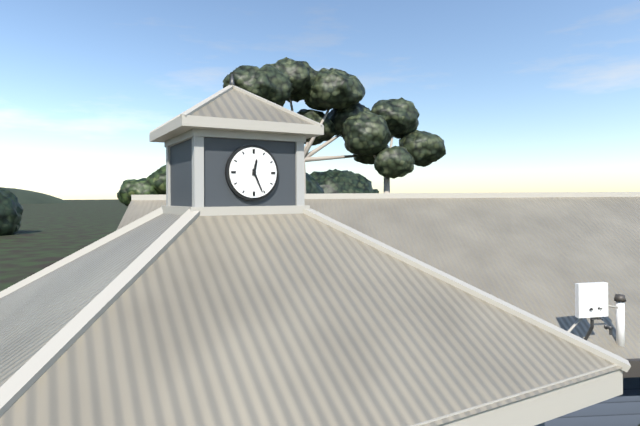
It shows {"hour": 12, "minute": 26}
